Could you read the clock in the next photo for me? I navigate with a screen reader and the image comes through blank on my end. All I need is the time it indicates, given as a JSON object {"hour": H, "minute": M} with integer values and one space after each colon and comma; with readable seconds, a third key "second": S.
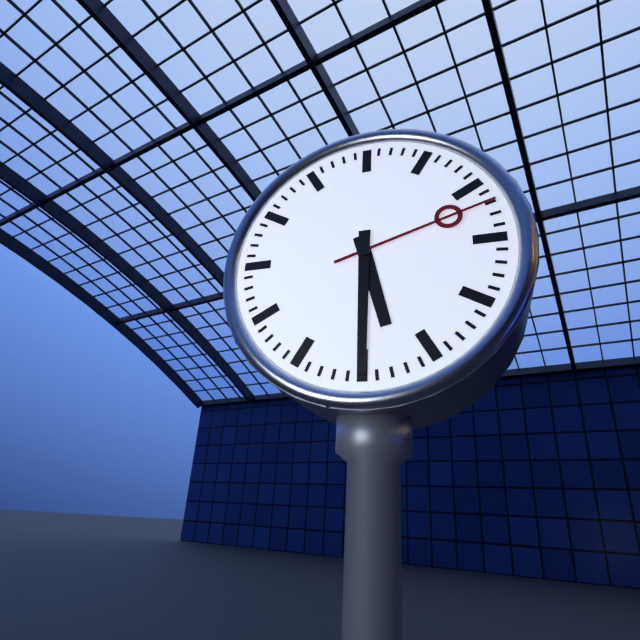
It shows {"hour": 5, "minute": 30, "second": 12}
